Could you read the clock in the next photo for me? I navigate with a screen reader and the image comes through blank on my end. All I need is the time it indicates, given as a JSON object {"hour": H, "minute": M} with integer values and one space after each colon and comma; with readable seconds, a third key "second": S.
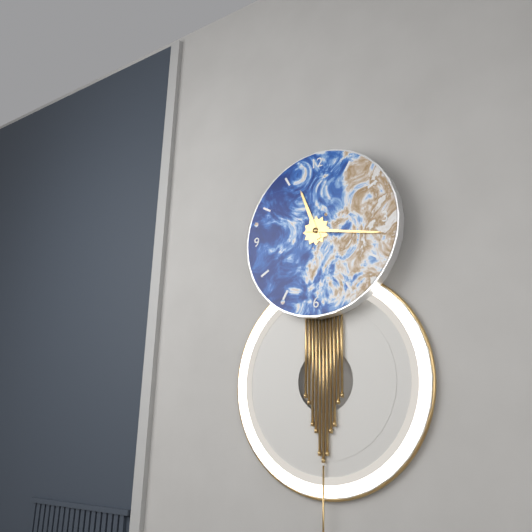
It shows {"hour": 11, "minute": 17}
